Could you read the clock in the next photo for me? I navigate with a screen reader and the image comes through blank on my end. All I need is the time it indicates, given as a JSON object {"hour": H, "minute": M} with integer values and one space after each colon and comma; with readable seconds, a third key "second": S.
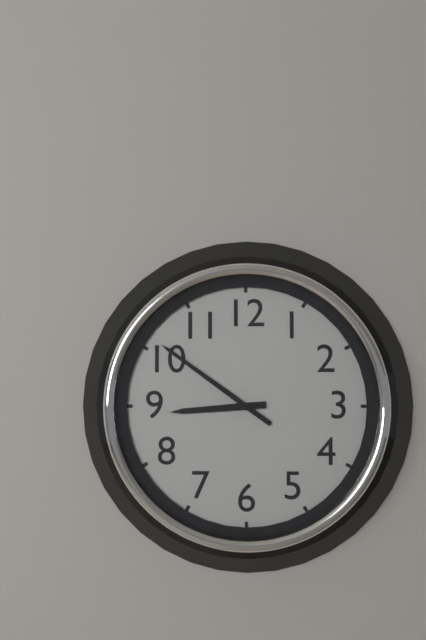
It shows {"hour": 8, "minute": 51}
